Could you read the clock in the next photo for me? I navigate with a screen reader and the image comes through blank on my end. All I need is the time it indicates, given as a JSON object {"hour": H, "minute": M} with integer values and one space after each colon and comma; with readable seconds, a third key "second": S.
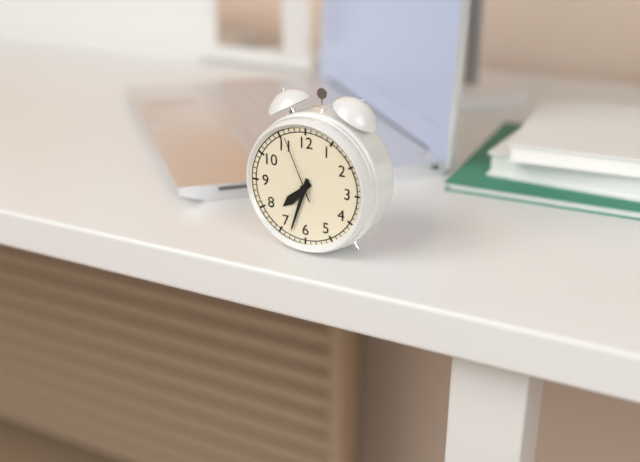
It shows {"hour": 7, "minute": 33, "second": 56}
